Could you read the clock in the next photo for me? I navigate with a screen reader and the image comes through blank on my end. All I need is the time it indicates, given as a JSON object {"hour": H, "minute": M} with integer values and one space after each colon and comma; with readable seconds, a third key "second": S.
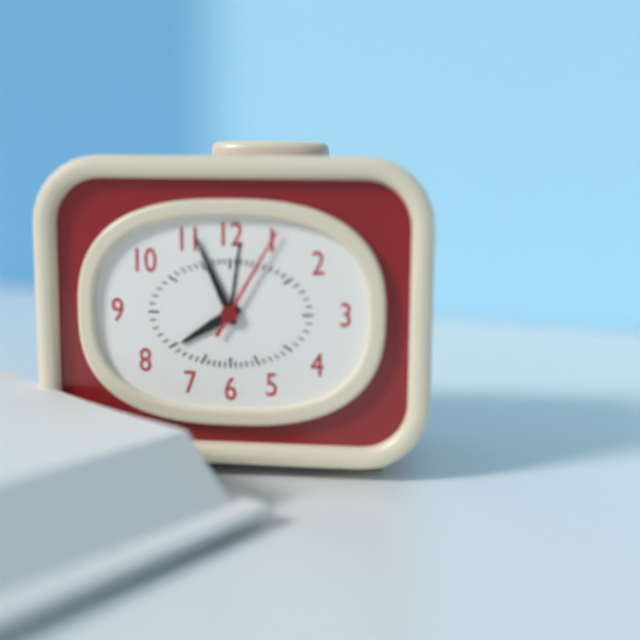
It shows {"hour": 7, "minute": 56, "second": 5}
